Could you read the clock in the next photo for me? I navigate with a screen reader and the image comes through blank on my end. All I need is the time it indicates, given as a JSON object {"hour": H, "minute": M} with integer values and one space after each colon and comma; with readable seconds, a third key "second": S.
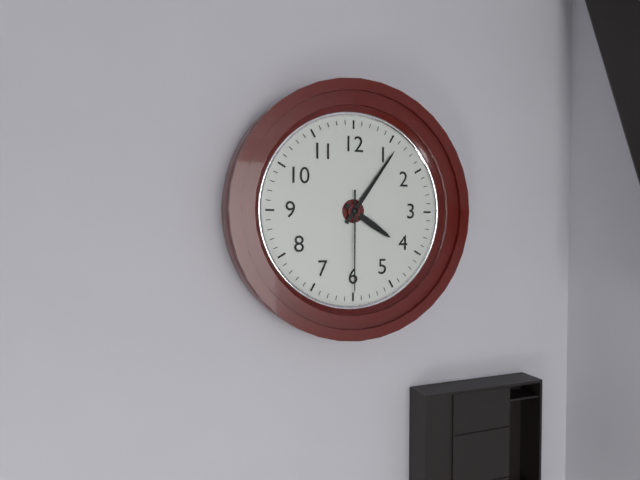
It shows {"hour": 4, "minute": 6, "second": 30}
